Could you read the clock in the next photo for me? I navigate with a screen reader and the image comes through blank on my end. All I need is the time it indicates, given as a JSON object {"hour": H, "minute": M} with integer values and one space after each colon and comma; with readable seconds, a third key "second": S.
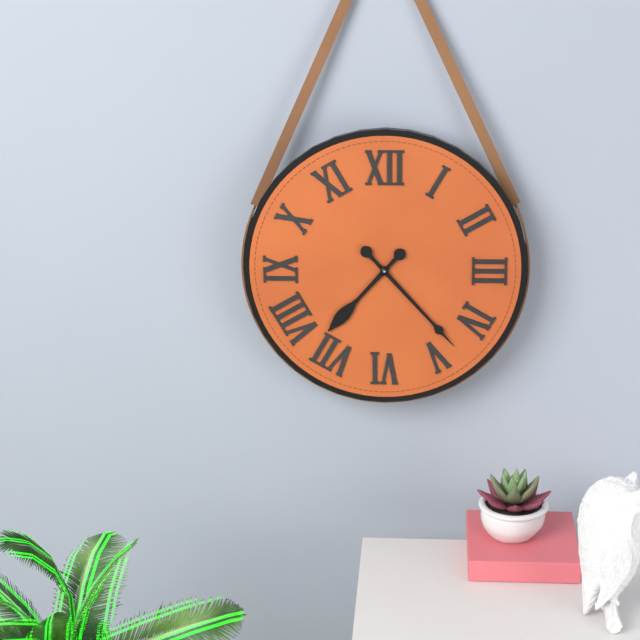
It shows {"hour": 7, "minute": 23}
